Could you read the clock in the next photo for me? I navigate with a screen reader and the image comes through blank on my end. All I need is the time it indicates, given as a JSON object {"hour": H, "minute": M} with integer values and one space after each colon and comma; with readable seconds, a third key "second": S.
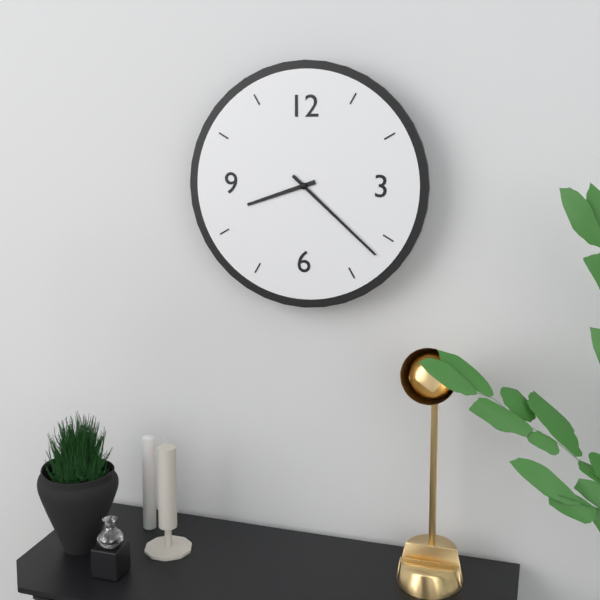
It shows {"hour": 8, "minute": 22}
